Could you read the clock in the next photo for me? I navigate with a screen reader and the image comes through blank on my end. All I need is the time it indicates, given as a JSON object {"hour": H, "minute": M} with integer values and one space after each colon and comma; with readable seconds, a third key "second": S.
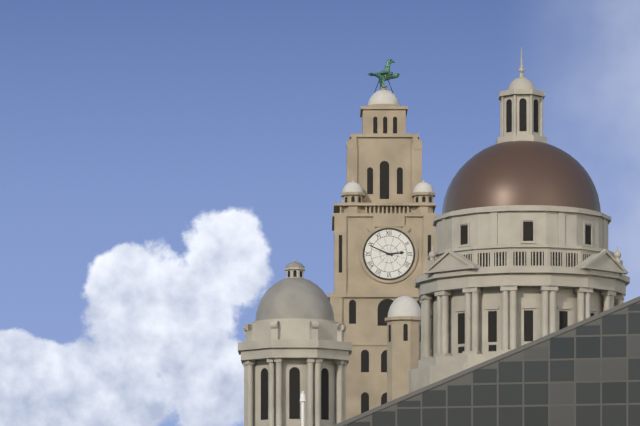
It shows {"hour": 2, "minute": 49}
